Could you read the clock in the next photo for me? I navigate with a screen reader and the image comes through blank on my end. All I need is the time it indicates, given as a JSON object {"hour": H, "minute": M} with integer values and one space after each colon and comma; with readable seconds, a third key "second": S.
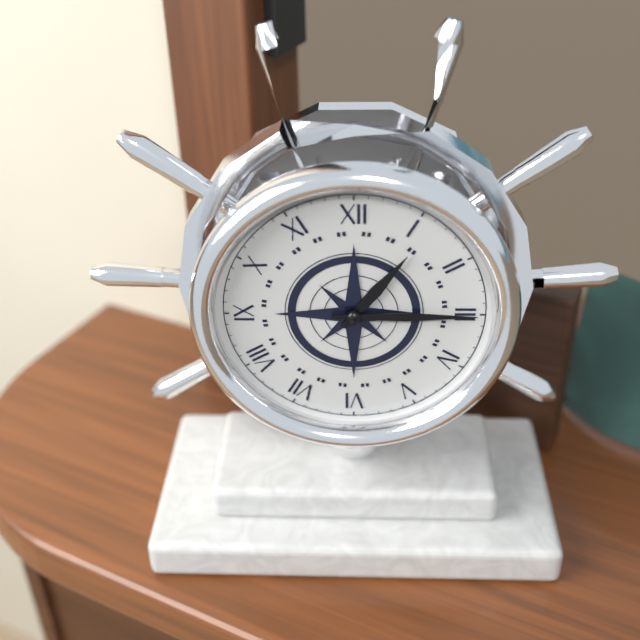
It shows {"hour": 1, "minute": 15}
